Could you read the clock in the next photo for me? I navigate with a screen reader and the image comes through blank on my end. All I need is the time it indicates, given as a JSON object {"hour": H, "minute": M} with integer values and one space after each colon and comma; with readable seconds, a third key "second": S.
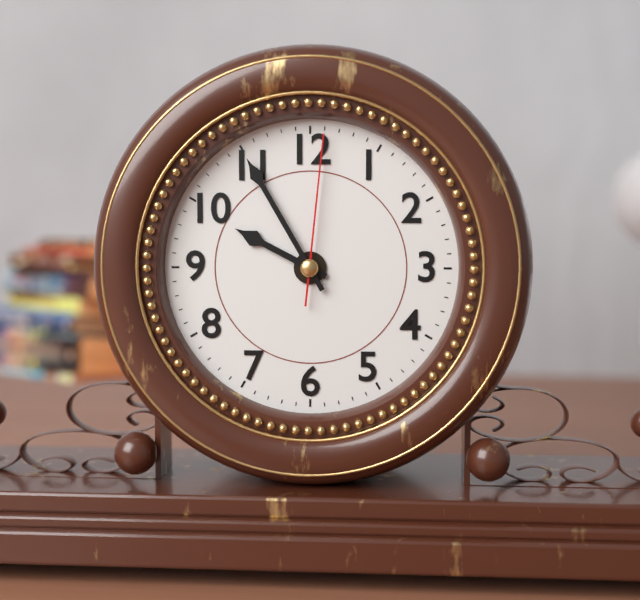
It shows {"hour": 9, "minute": 55, "second": 1}
